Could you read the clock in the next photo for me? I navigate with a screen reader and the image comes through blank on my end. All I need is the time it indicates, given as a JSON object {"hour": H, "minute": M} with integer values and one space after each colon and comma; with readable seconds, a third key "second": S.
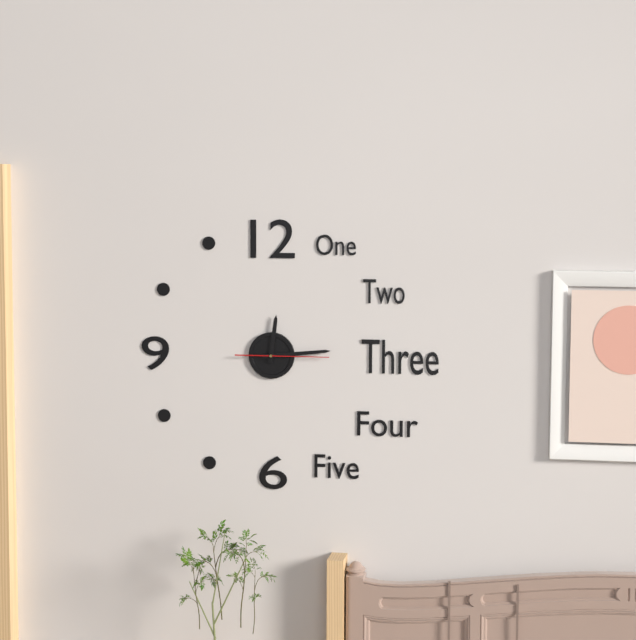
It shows {"hour": 12, "minute": 14, "second": 15}
